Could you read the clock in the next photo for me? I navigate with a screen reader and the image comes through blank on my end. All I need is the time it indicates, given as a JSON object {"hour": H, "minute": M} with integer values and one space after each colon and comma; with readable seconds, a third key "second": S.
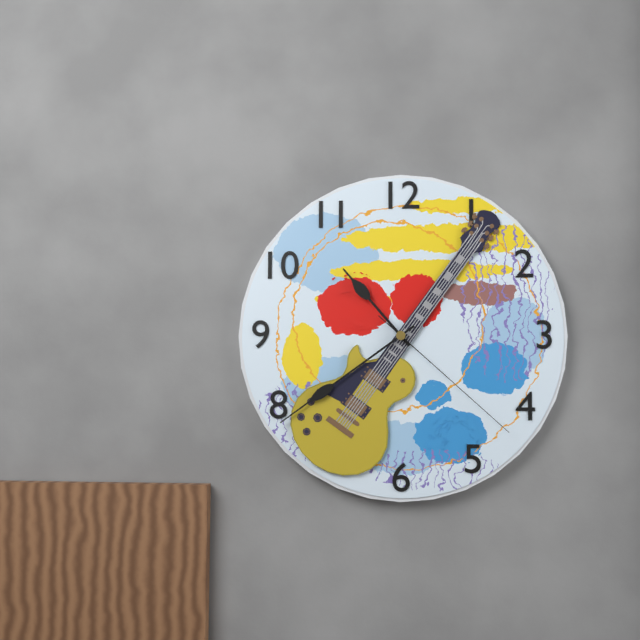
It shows {"hour": 10, "minute": 39, "second": 22}
